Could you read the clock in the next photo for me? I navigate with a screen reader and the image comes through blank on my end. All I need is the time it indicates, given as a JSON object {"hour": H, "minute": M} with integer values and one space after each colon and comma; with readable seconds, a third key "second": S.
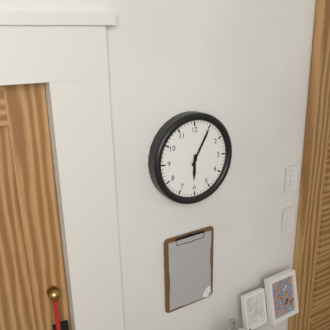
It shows {"hour": 6, "minute": 5}
